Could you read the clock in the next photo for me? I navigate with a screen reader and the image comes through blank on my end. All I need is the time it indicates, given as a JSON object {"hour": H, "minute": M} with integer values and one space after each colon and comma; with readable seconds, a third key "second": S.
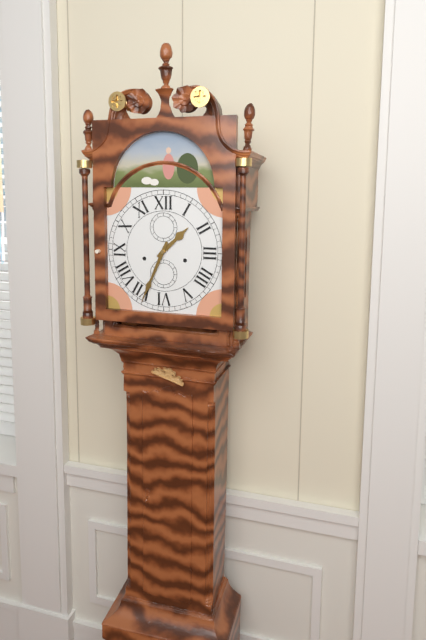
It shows {"hour": 1, "minute": 34}
